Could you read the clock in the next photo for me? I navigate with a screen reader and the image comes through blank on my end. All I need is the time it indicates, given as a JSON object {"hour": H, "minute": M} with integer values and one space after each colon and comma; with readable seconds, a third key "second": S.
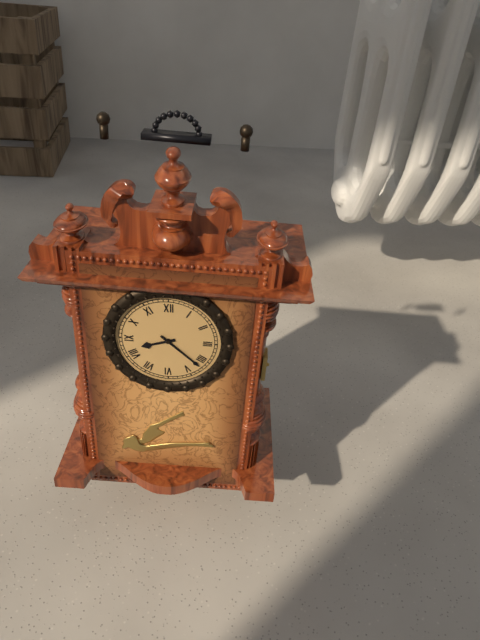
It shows {"hour": 8, "minute": 22}
